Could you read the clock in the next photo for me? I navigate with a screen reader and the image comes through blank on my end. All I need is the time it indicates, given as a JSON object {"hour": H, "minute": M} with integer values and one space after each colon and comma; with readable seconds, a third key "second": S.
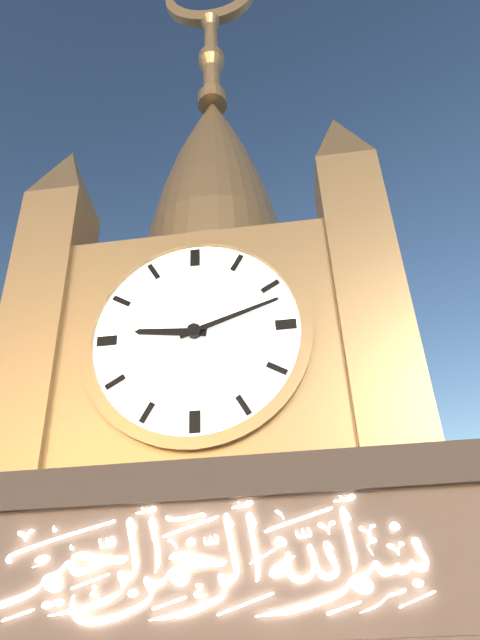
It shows {"hour": 9, "minute": 12}
